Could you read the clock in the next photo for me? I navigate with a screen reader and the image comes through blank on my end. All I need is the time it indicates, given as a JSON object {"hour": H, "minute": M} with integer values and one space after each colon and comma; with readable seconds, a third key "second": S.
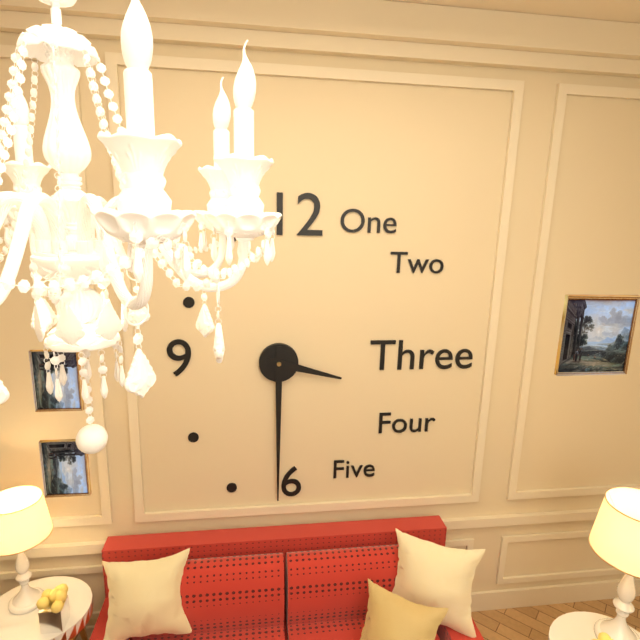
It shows {"hour": 3, "minute": 30}
